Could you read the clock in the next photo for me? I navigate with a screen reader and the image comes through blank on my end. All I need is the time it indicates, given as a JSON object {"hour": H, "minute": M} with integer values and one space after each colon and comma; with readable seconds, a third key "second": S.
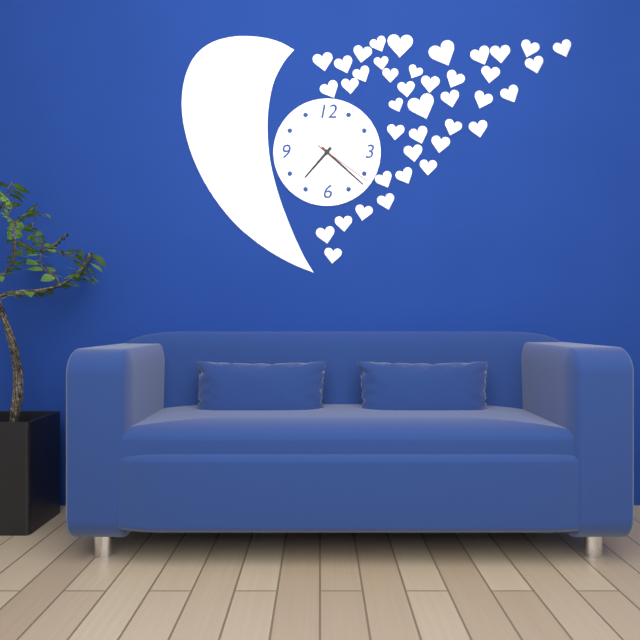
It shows {"hour": 7, "minute": 22, "second": 21}
